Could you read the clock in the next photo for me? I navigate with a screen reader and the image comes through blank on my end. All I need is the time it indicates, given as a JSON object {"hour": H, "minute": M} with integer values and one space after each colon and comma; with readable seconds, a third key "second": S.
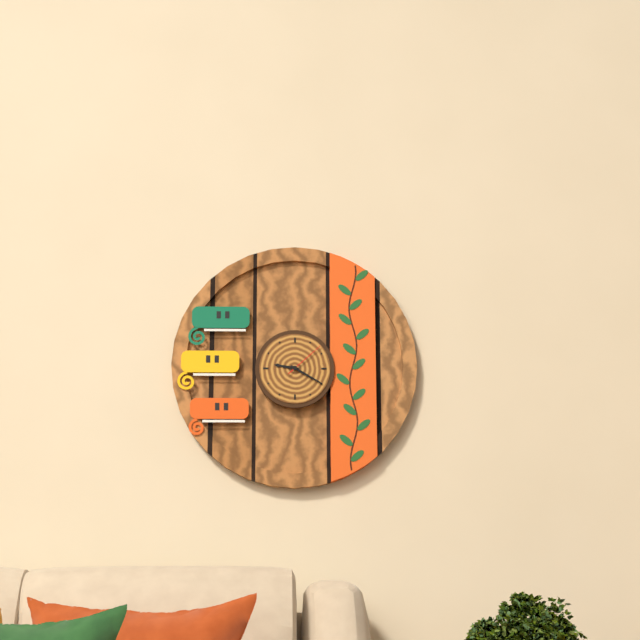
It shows {"hour": 9, "minute": 20}
